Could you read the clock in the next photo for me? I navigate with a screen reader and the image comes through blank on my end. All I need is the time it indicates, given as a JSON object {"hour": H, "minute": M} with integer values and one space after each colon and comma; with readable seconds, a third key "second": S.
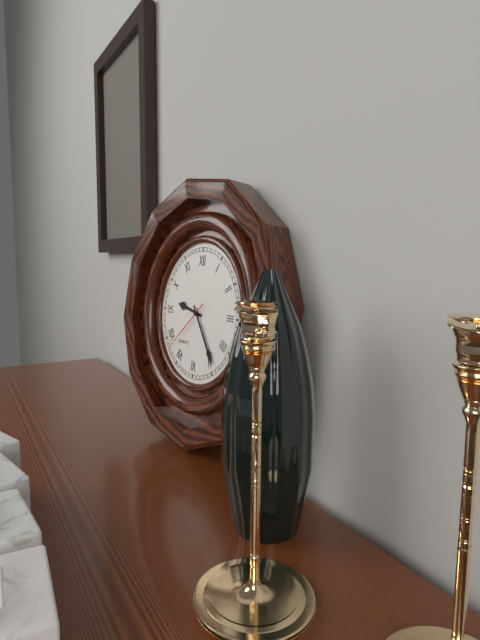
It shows {"hour": 9, "minute": 24, "second": 38}
